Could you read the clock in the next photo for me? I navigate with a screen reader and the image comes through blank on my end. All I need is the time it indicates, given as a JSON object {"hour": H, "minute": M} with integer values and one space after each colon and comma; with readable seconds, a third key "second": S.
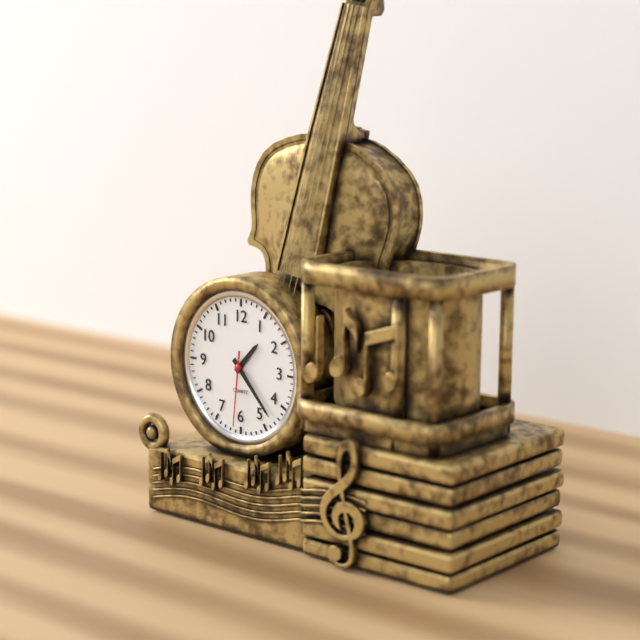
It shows {"hour": 1, "minute": 23, "second": 31}
